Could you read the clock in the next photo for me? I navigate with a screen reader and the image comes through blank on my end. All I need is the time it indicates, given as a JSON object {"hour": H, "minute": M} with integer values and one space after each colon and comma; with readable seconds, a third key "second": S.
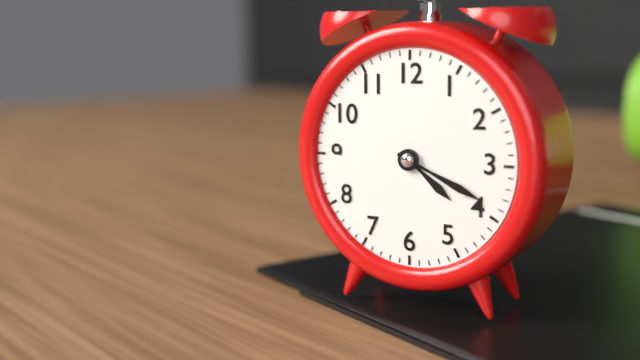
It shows {"hour": 4, "minute": 19}
